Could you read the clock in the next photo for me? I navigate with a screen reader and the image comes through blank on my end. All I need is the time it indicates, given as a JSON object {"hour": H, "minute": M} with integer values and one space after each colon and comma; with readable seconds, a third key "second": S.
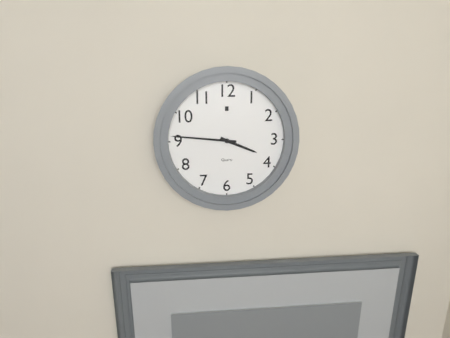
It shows {"hour": 3, "minute": 46}
